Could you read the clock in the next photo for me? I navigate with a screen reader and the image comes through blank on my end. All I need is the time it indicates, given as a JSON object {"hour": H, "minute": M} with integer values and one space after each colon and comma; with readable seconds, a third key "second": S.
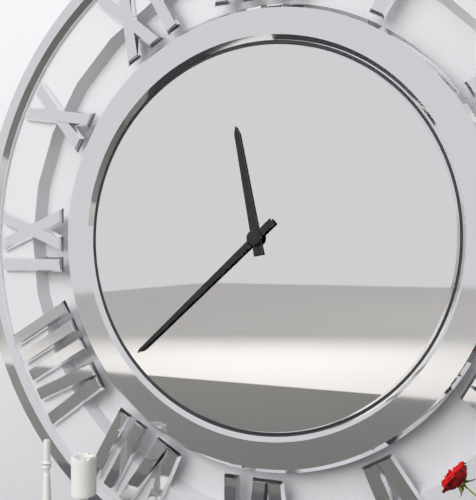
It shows {"hour": 11, "minute": 38}
